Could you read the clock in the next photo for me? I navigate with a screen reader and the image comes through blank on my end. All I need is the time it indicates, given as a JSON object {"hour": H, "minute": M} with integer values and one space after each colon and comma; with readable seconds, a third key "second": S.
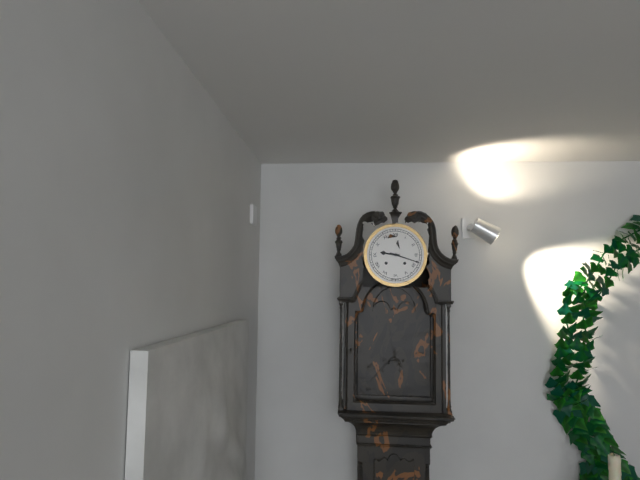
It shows {"hour": 9, "minute": 18}
